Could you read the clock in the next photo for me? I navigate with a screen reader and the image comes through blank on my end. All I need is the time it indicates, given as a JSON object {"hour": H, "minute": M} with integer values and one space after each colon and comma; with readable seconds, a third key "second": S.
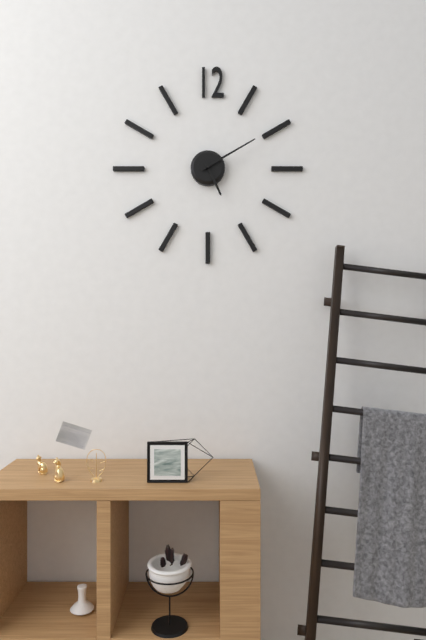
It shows {"hour": 5, "minute": 10}
